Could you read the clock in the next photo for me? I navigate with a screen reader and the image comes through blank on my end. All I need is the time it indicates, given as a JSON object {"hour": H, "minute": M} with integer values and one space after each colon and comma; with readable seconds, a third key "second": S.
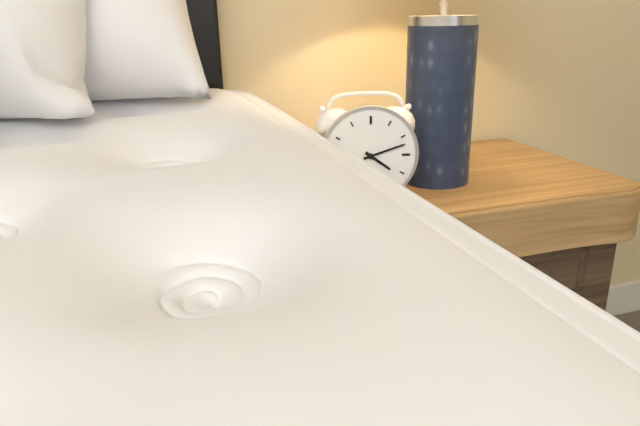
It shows {"hour": 4, "minute": 12}
